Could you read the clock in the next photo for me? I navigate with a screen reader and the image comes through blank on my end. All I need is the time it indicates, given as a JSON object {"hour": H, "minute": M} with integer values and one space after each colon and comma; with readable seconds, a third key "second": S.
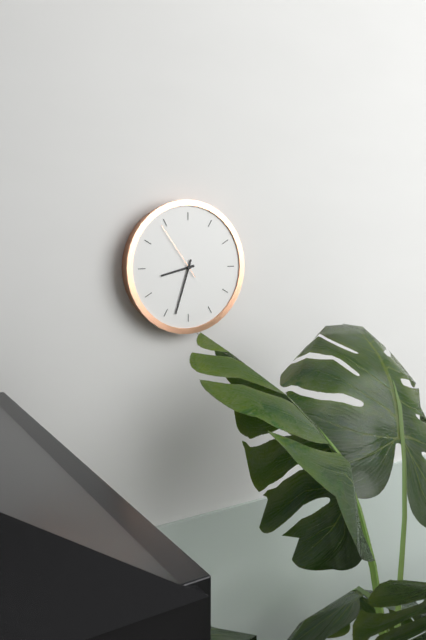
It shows {"hour": 8, "minute": 33, "second": 54}
